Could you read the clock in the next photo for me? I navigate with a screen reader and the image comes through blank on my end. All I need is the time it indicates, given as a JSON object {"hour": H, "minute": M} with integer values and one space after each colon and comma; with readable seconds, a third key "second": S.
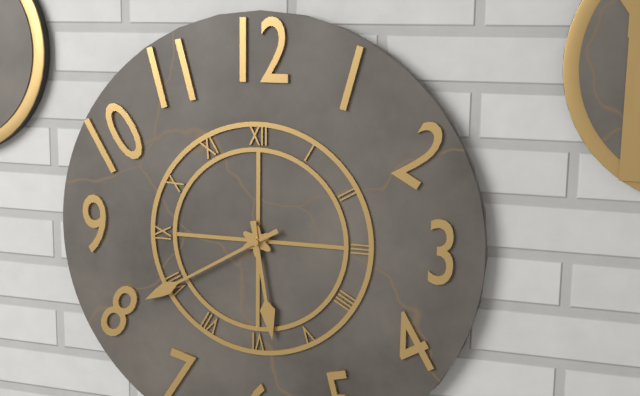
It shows {"hour": 5, "minute": 40}
